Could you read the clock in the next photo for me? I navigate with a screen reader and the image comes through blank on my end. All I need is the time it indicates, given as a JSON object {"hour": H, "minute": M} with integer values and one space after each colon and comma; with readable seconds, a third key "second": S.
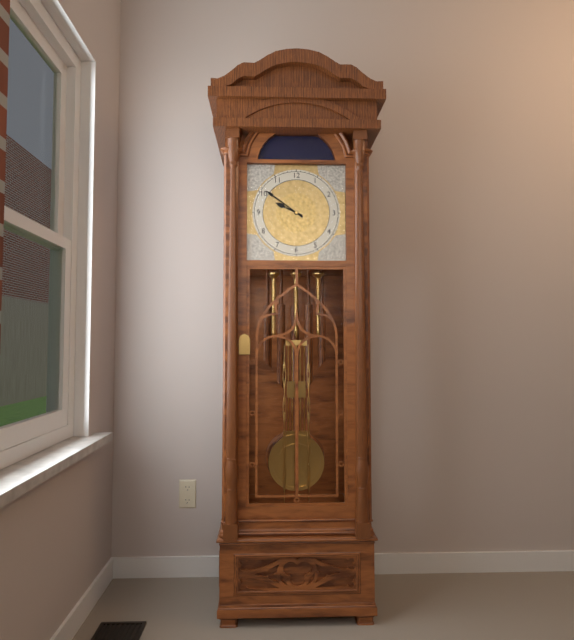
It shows {"hour": 9, "minute": 51}
